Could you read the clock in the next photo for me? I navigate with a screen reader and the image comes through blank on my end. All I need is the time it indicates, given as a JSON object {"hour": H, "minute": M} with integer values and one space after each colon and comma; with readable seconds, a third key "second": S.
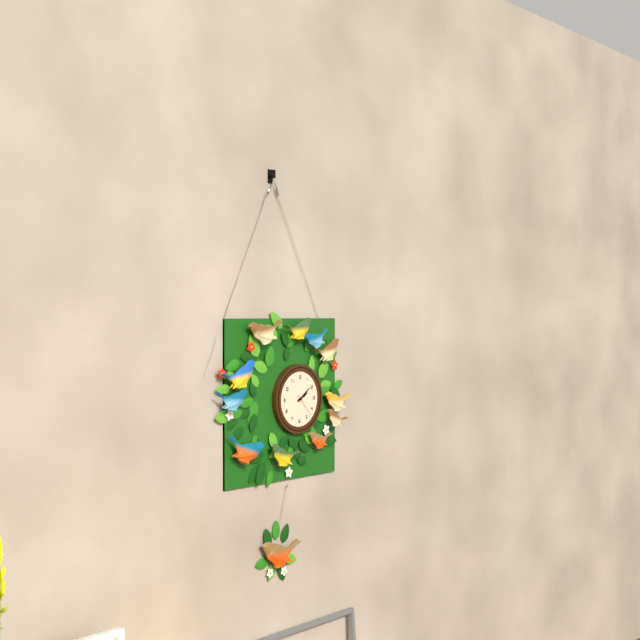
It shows {"hour": 2, "minute": 9}
